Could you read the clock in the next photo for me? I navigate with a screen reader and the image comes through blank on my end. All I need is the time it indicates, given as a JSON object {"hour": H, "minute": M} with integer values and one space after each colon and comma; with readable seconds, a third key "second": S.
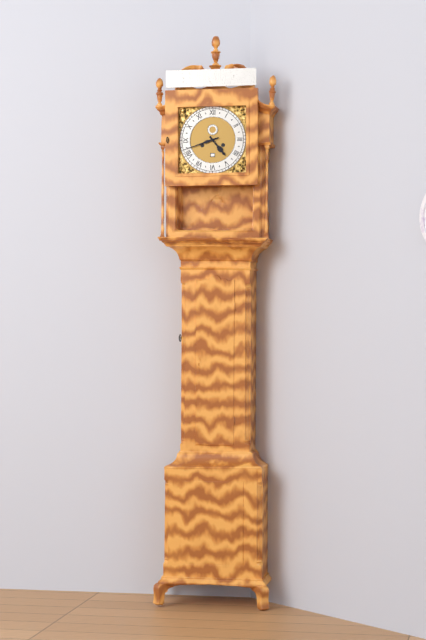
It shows {"hour": 4, "minute": 42}
